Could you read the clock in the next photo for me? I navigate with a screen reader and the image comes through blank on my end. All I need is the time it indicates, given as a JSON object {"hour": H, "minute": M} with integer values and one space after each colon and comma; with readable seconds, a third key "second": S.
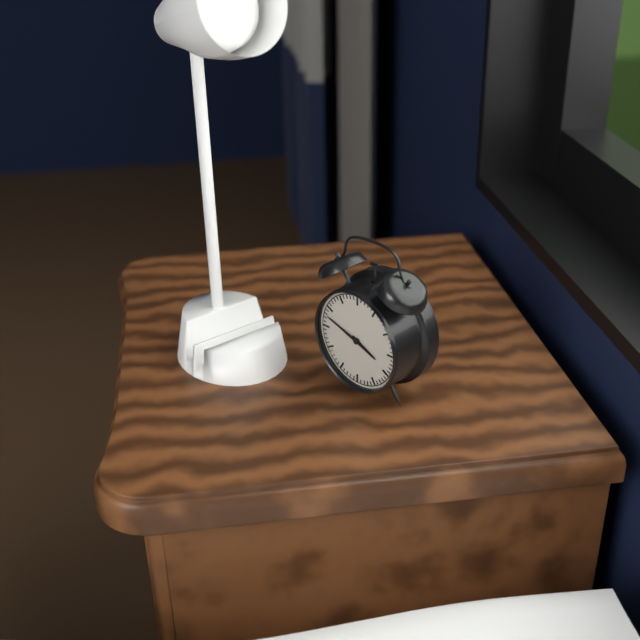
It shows {"hour": 3, "minute": 48}
